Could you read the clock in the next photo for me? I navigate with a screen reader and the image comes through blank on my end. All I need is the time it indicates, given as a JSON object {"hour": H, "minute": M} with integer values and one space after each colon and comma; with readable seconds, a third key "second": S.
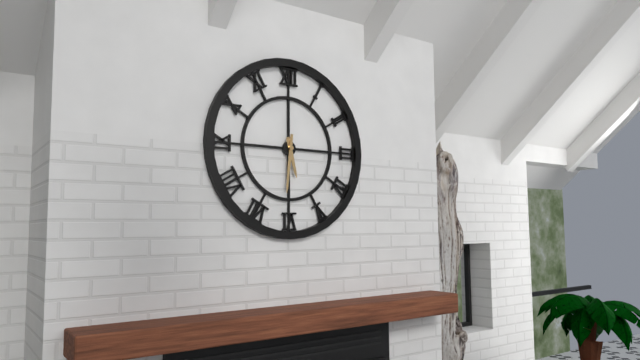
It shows {"hour": 5, "minute": 31}
